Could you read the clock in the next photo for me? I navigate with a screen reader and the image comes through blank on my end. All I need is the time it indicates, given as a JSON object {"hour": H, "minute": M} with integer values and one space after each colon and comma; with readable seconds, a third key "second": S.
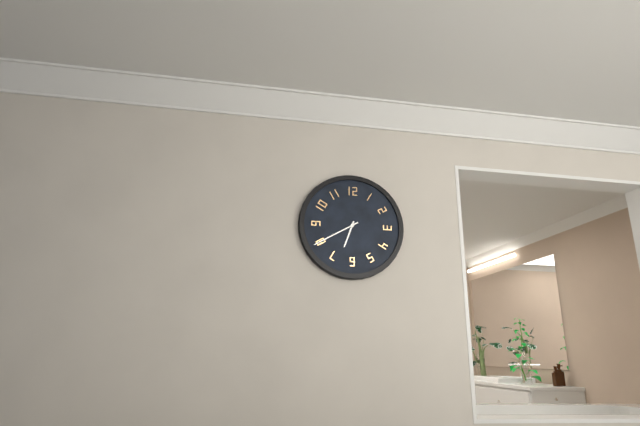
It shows {"hour": 6, "minute": 40}
